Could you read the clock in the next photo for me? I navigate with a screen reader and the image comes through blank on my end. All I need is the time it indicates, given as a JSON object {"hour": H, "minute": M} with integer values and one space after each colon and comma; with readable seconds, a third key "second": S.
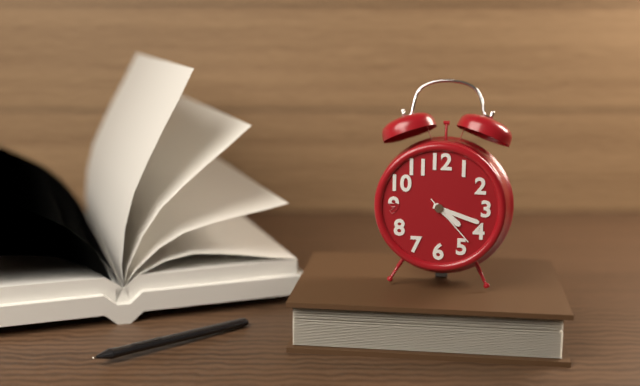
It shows {"hour": 4, "minute": 18, "second": 23}
